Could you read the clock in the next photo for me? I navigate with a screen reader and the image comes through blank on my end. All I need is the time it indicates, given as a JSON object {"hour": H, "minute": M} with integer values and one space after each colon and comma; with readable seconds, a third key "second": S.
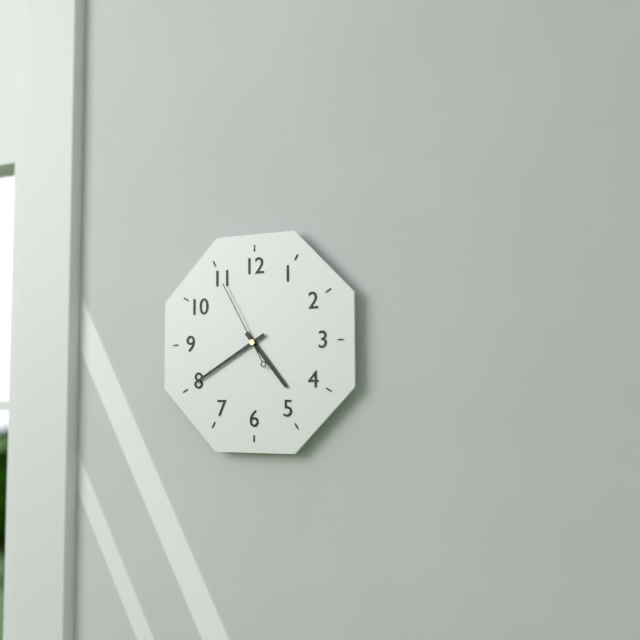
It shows {"hour": 4, "minute": 40, "second": 55}
